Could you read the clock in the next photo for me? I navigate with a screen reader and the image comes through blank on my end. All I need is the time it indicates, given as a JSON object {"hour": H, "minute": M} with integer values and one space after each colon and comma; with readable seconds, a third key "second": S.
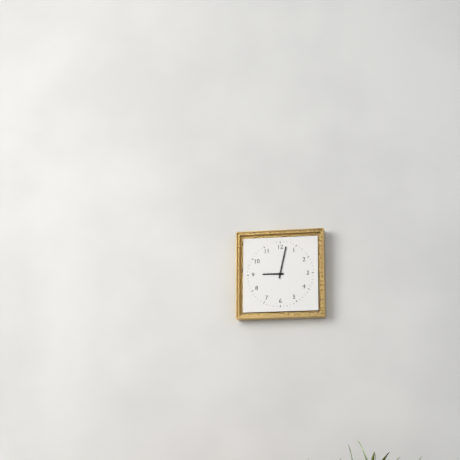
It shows {"hour": 9, "minute": 2}
